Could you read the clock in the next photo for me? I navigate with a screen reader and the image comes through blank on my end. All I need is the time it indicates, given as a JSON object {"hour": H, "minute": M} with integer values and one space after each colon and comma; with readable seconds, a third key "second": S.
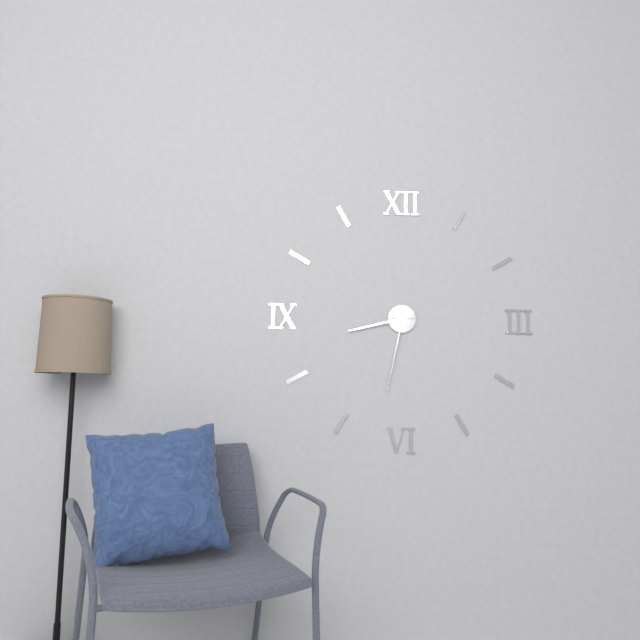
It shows {"hour": 8, "minute": 32}
